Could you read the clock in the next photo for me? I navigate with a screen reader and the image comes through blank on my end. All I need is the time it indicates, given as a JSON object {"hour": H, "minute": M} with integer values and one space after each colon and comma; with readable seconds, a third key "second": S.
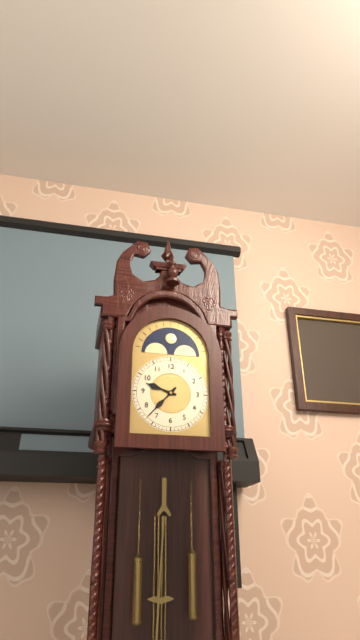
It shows {"hour": 9, "minute": 37}
